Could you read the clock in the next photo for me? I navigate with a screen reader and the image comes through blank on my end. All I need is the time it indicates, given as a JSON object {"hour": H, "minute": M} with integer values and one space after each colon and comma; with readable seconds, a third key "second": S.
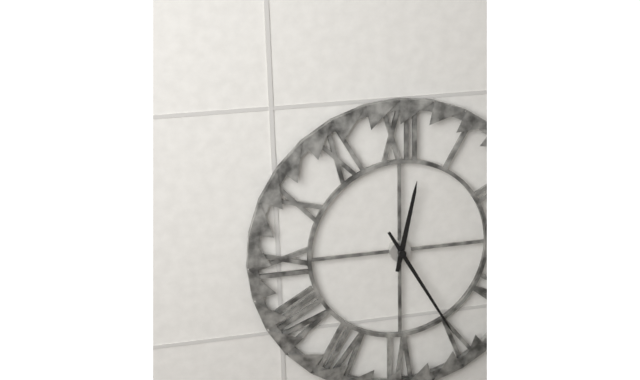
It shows {"hour": 12, "minute": 25}
